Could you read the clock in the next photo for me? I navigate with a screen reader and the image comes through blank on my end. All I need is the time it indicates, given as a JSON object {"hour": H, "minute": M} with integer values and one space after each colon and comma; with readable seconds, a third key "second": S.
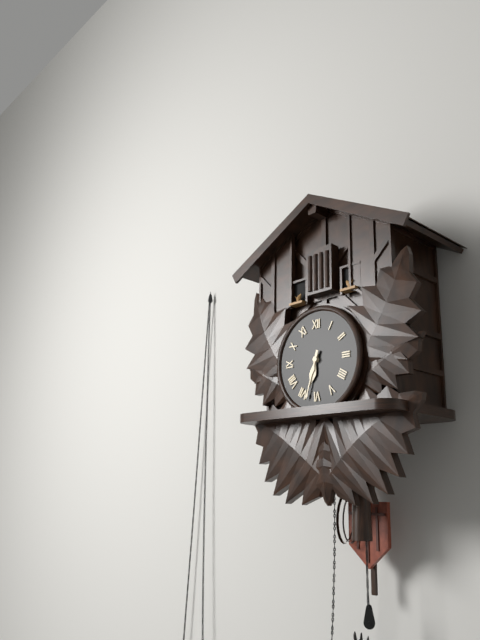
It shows {"hour": 6, "minute": 33}
